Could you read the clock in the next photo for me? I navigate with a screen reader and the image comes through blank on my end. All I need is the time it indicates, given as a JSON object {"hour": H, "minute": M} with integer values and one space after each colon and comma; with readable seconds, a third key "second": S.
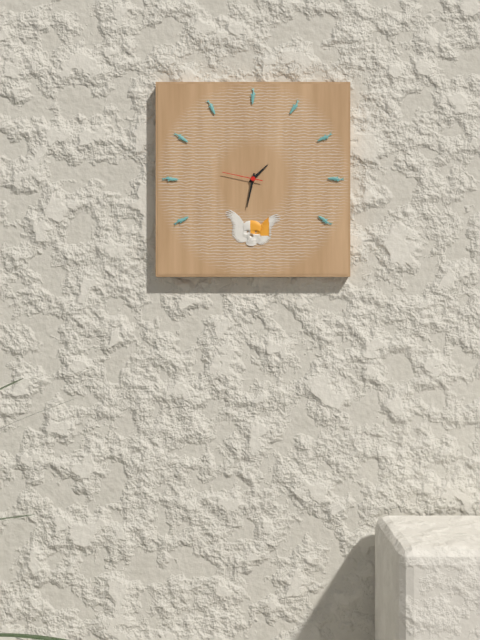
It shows {"hour": 1, "minute": 32}
